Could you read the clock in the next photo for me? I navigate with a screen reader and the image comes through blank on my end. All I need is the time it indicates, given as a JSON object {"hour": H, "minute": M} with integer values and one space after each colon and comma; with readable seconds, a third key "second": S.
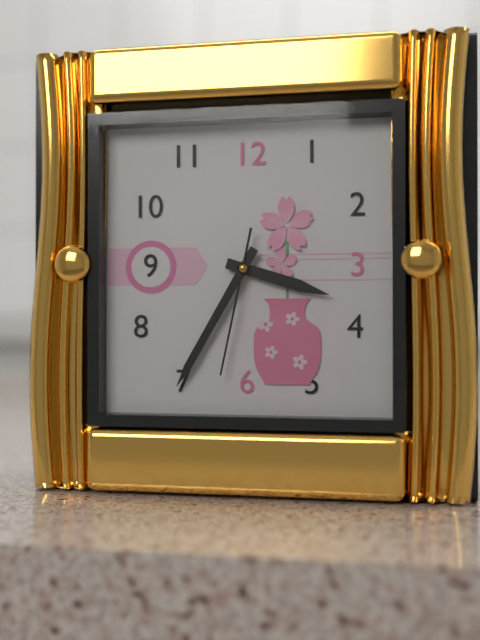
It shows {"hour": 3, "minute": 35, "second": 32}
